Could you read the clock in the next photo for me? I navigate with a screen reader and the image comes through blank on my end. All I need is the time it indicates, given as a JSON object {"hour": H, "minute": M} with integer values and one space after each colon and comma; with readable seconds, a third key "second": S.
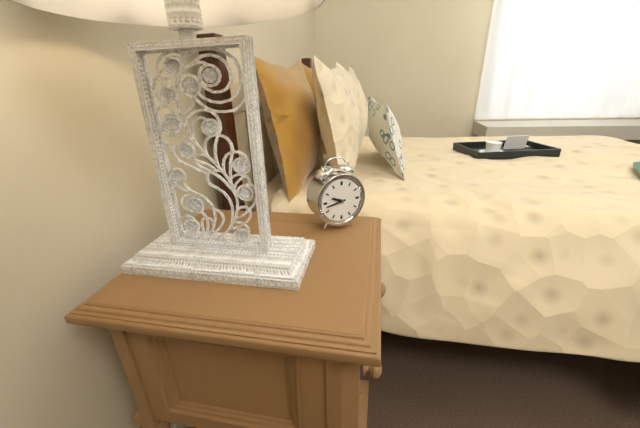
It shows {"hour": 9, "minute": 43}
